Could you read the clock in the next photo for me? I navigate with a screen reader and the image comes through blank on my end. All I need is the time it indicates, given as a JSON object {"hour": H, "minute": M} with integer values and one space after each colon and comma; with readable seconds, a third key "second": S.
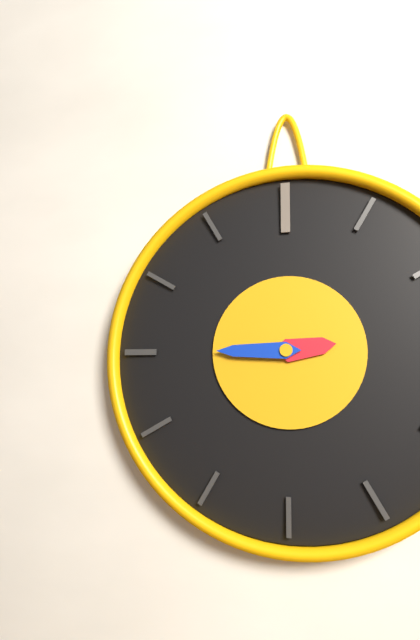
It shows {"hour": 2, "minute": 45}
